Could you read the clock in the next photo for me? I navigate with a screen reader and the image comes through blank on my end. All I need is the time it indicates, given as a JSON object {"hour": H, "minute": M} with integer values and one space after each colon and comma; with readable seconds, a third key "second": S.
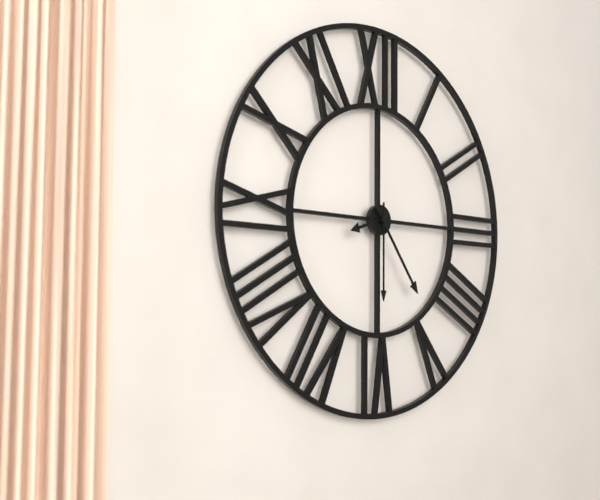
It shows {"hour": 8, "minute": 24, "second": 30}
